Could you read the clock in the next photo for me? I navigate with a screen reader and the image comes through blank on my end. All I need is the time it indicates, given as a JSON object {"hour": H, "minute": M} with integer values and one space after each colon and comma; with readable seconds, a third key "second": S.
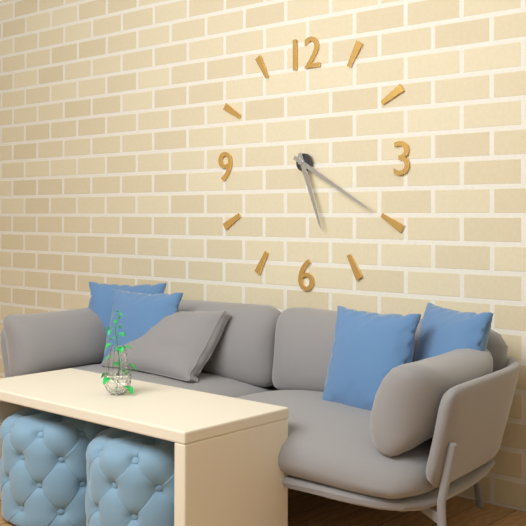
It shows {"hour": 5, "minute": 20}
